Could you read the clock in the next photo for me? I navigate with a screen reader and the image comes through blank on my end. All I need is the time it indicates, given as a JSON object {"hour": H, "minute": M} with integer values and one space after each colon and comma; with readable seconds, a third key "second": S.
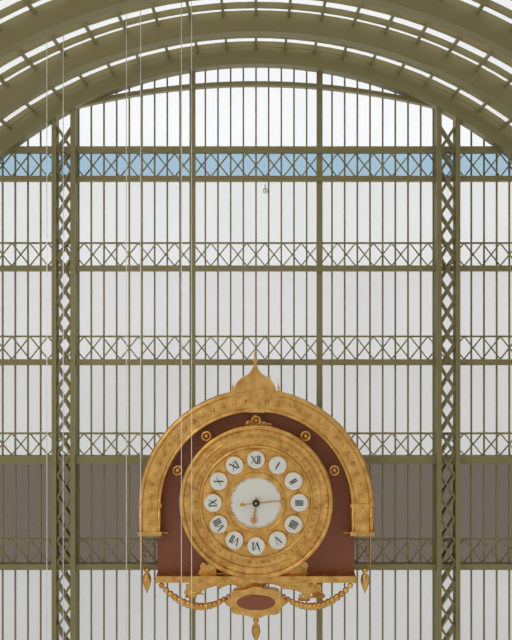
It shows {"hour": 6, "minute": 14}
